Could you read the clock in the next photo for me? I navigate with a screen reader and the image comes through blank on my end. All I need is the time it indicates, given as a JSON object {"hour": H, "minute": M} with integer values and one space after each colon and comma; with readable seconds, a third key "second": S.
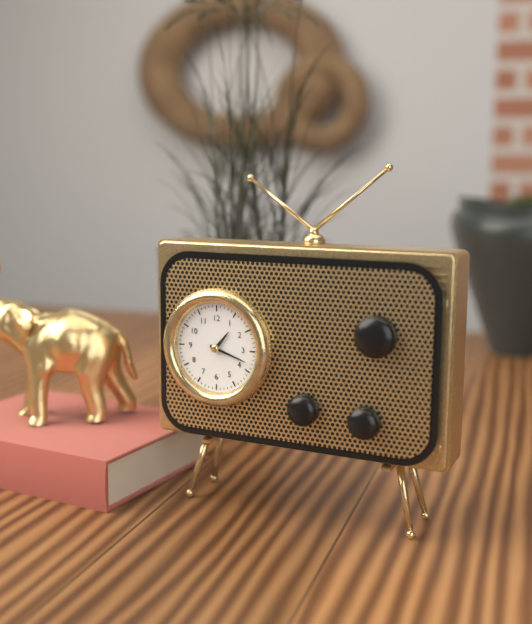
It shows {"hour": 1, "minute": 18}
